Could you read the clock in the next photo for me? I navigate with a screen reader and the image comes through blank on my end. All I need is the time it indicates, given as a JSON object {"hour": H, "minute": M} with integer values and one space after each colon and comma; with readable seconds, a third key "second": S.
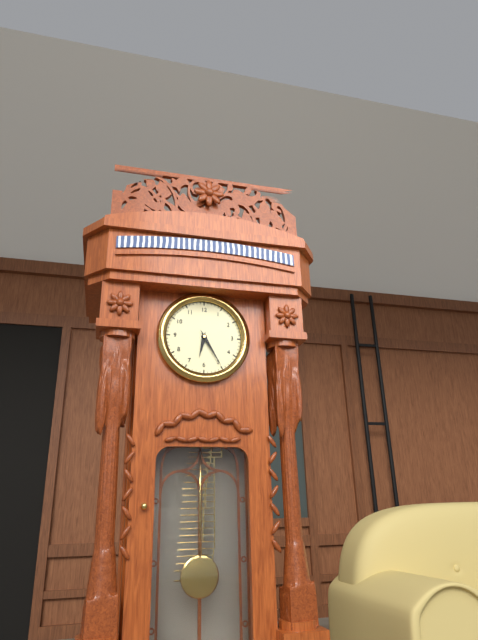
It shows {"hour": 6, "minute": 25}
